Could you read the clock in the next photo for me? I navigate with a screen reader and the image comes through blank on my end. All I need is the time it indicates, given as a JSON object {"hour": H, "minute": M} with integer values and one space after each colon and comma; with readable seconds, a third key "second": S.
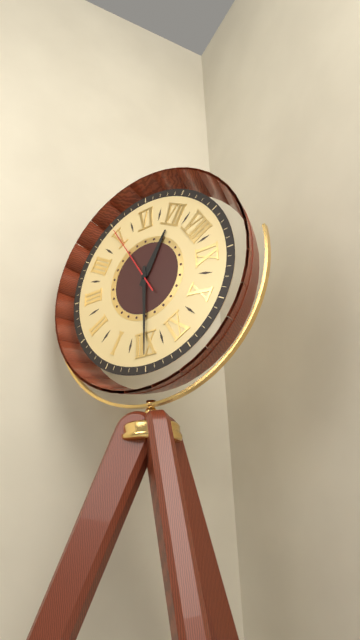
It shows {"hour": 7, "minute": 0, "second": 25}
